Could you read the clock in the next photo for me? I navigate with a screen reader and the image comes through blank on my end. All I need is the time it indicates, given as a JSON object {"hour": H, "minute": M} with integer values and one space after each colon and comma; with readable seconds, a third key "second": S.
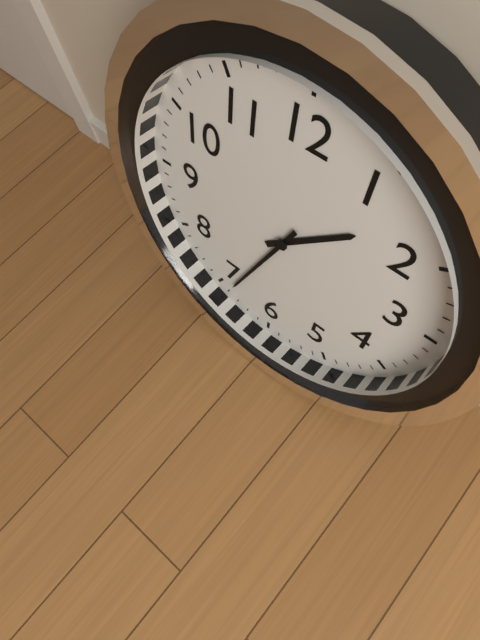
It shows {"hour": 1, "minute": 34}
